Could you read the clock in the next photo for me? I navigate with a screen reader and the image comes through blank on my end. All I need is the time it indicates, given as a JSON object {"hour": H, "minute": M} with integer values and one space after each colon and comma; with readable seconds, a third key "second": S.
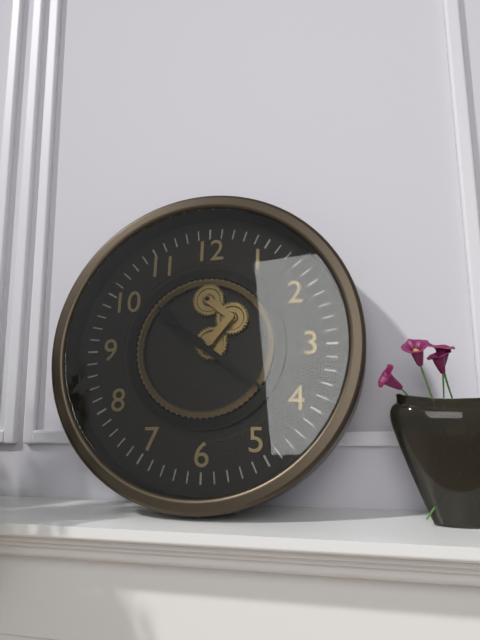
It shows {"hour": 10, "minute": 21}
